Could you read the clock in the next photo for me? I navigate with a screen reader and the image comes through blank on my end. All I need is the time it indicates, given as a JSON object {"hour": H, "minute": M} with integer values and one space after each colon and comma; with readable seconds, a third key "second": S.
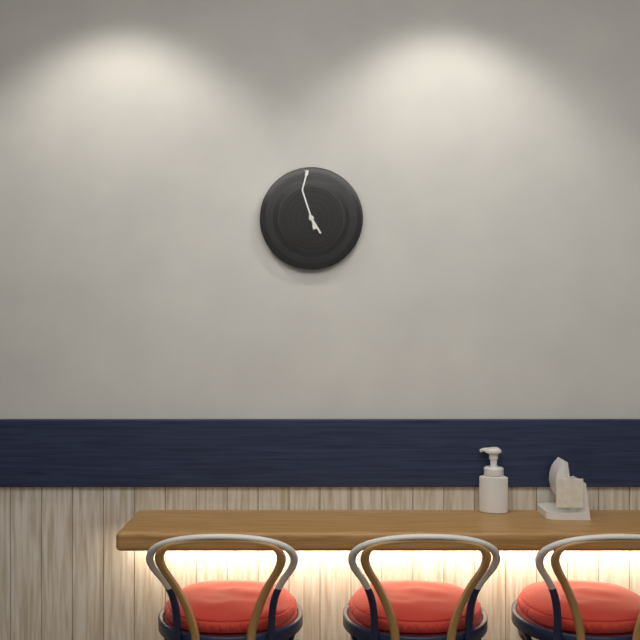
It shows {"hour": 4, "minute": 57}
